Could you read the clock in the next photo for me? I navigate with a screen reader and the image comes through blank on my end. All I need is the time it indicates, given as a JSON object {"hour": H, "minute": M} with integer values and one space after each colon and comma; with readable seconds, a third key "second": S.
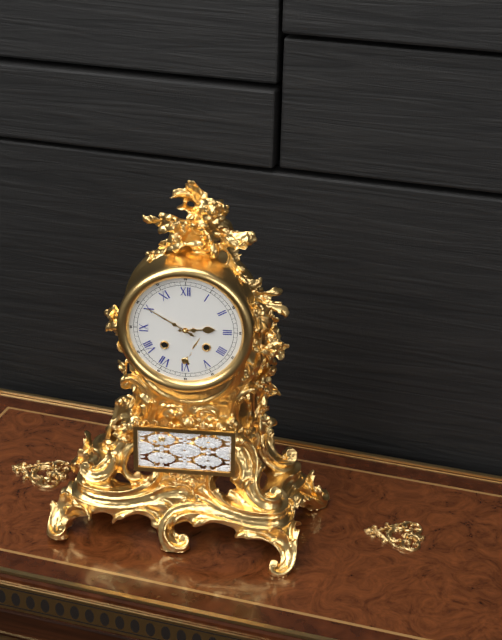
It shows {"hour": 2, "minute": 50}
